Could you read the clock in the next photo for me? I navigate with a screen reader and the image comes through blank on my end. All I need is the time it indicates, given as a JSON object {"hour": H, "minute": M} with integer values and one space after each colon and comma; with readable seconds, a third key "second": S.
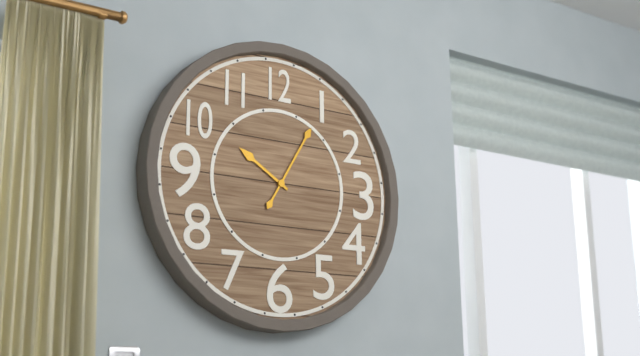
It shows {"hour": 10, "minute": 5}
